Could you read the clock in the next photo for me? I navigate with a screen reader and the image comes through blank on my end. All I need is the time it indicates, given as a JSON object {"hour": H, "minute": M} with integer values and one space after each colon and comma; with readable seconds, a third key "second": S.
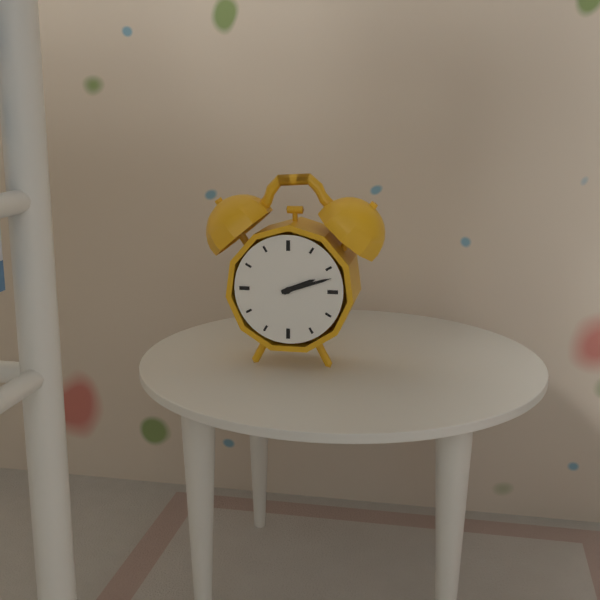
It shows {"hour": 2, "minute": 12}
